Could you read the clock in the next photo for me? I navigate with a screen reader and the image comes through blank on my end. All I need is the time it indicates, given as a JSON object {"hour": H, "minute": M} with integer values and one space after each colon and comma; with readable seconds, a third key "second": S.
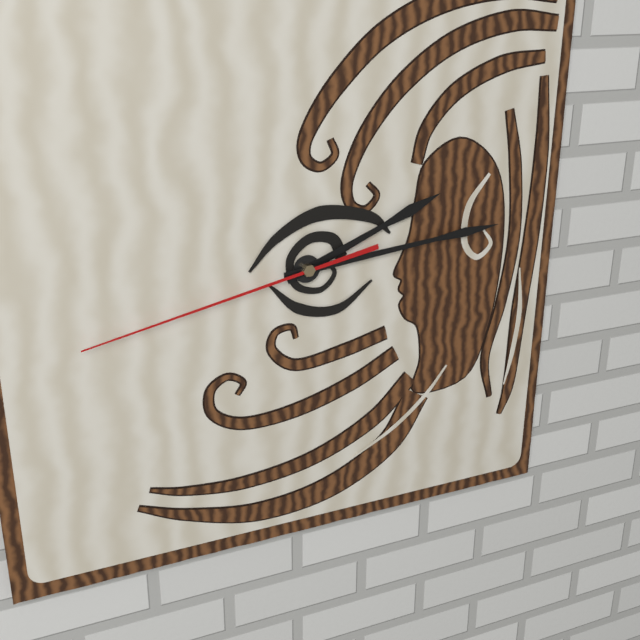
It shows {"hour": 2, "minute": 14, "second": 43}
